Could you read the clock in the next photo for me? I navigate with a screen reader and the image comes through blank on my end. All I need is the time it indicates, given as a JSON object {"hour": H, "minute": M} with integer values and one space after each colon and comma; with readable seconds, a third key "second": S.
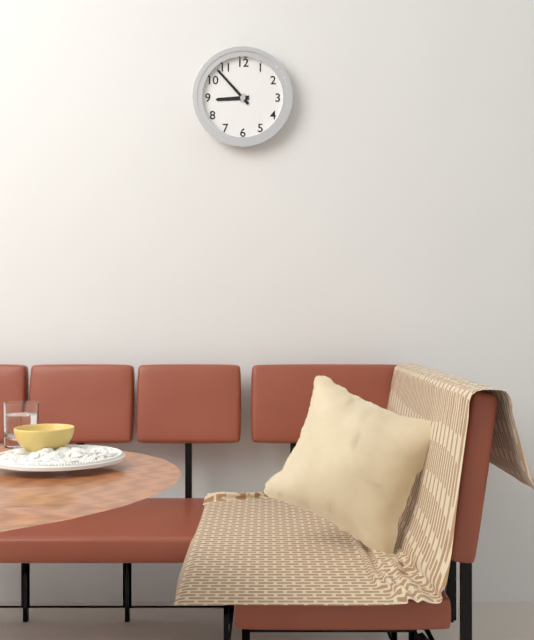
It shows {"hour": 8, "minute": 53}
